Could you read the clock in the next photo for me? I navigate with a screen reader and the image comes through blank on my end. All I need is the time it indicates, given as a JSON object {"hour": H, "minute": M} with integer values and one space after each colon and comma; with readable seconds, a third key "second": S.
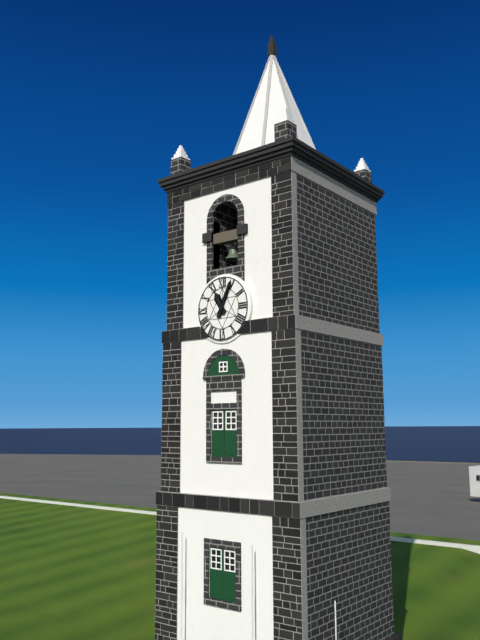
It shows {"hour": 11, "minute": 4}
